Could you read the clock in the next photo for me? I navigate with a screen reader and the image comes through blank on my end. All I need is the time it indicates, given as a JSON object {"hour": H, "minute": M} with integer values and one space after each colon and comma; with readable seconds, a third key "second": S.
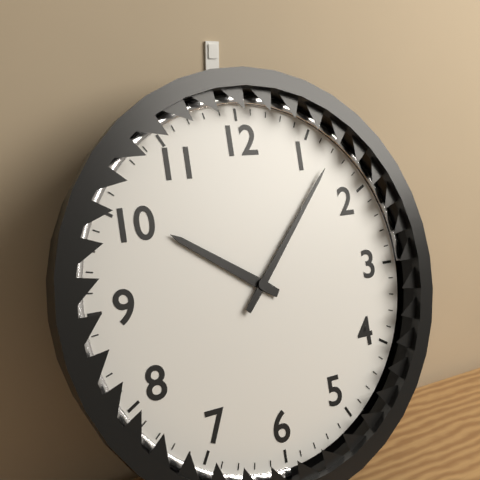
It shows {"hour": 10, "minute": 7}
